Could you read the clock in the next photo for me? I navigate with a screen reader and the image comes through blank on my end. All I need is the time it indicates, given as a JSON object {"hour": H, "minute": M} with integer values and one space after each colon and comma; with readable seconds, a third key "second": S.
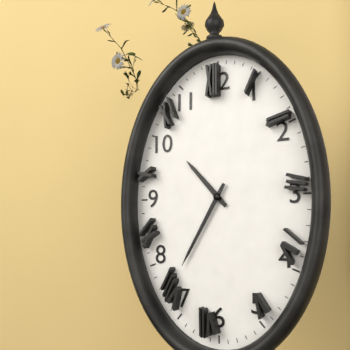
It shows {"hour": 10, "minute": 35}
